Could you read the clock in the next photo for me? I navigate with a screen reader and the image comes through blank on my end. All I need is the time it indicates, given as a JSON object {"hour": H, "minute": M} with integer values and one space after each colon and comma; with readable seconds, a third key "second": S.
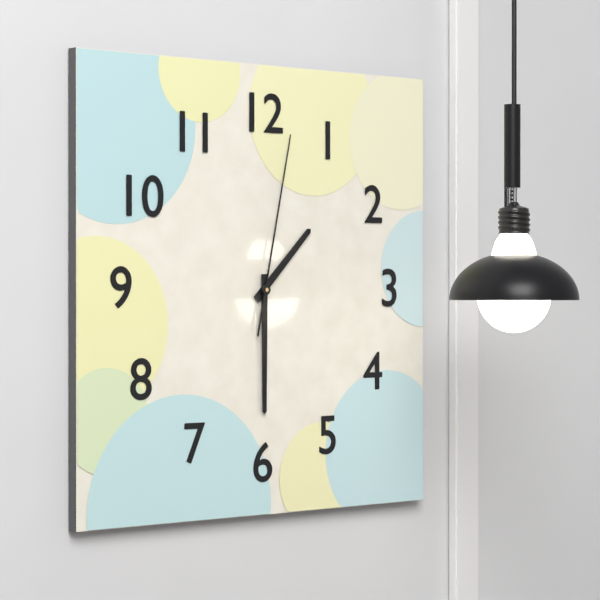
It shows {"hour": 1, "minute": 30, "second": 2}
